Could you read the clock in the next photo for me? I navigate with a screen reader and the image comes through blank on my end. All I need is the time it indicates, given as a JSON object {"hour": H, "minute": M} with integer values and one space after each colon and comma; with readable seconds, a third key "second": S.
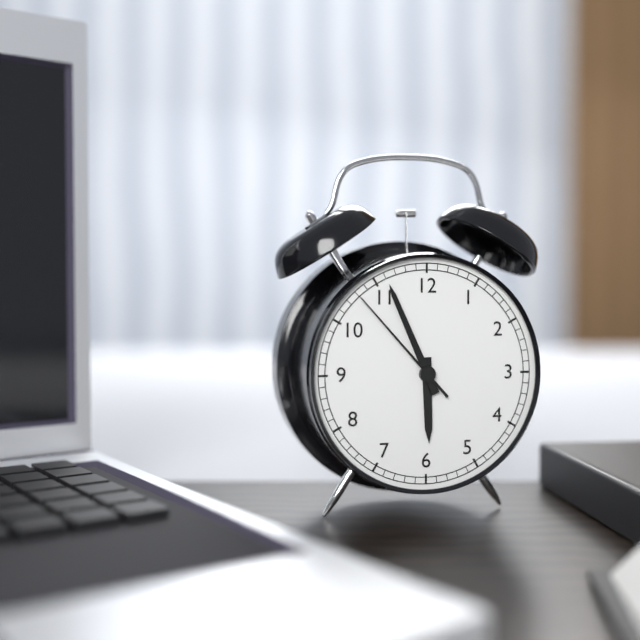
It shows {"hour": 5, "minute": 56, "second": 53}
